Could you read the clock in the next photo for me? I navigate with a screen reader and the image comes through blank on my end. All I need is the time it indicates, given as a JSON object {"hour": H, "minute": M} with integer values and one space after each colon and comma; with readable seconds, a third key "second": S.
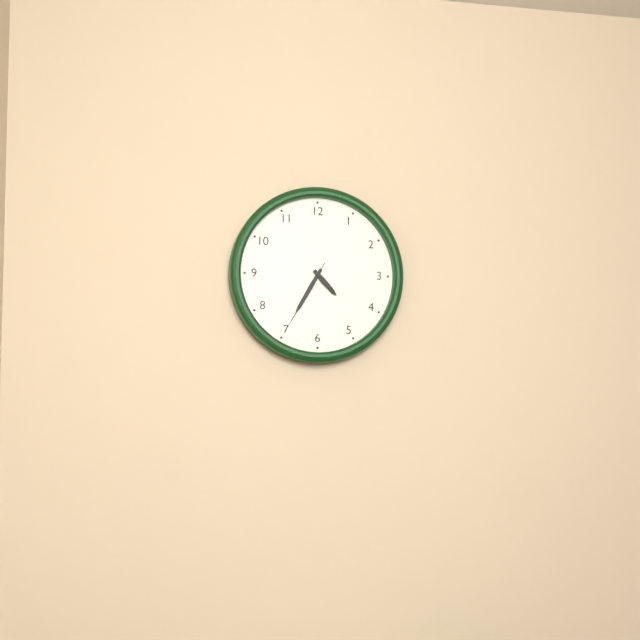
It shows {"hour": 4, "minute": 35, "second": 35}
